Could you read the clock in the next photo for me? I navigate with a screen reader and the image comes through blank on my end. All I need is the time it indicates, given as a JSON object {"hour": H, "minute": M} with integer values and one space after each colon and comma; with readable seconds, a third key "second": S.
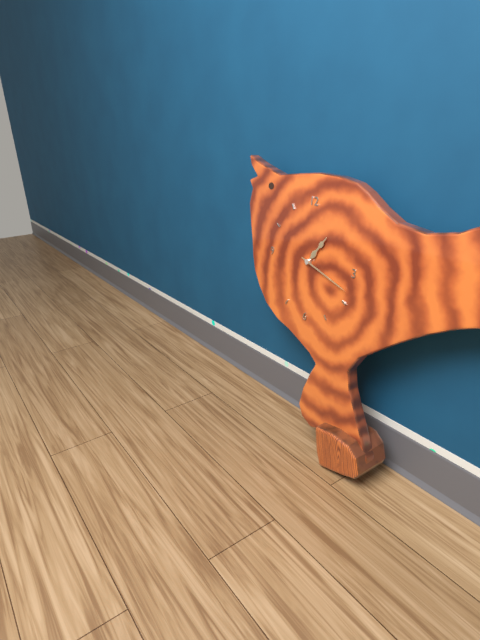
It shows {"hour": 1, "minute": 18}
